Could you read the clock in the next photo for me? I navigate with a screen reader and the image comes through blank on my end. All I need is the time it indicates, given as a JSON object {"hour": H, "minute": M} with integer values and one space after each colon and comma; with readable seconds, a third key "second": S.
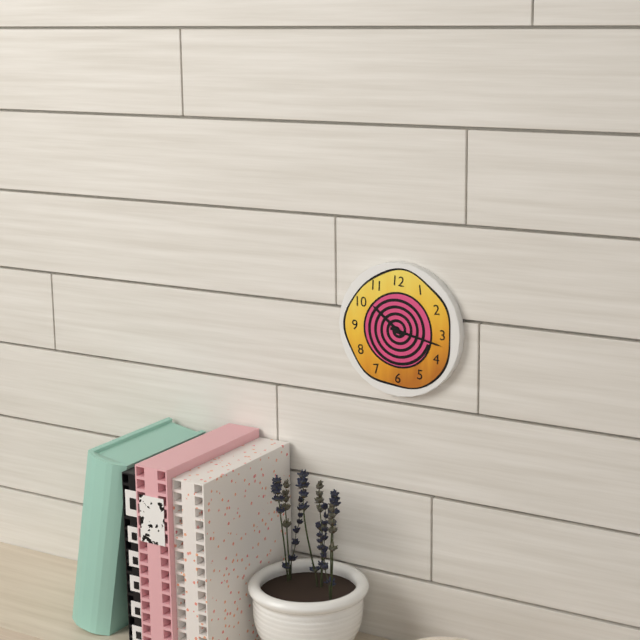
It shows {"hour": 10, "minute": 17}
